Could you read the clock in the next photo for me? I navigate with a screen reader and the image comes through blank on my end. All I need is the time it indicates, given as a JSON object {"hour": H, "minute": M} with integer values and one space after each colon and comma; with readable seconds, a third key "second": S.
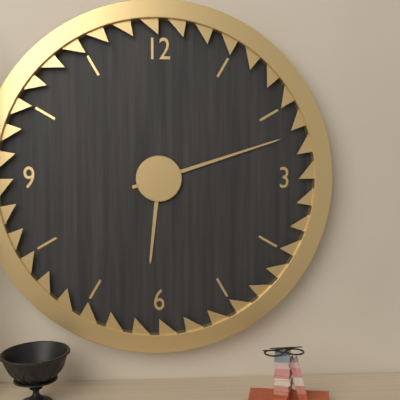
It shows {"hour": 6, "minute": 12}
